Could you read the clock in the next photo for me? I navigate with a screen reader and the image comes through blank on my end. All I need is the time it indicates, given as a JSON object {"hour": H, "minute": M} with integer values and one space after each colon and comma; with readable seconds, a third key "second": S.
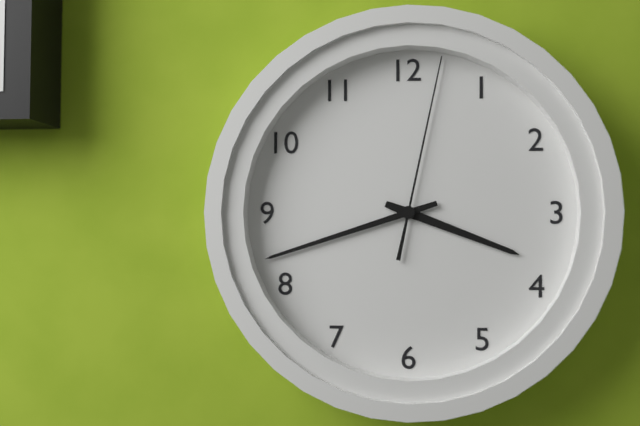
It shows {"hour": 3, "minute": 42, "second": 2}
